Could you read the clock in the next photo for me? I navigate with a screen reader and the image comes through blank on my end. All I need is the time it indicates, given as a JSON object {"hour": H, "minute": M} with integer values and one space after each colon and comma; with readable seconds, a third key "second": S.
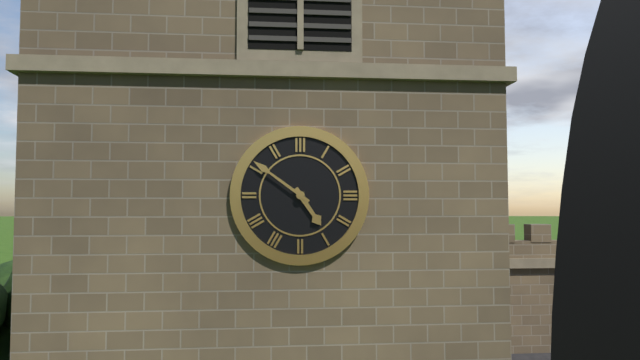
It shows {"hour": 4, "minute": 51}
